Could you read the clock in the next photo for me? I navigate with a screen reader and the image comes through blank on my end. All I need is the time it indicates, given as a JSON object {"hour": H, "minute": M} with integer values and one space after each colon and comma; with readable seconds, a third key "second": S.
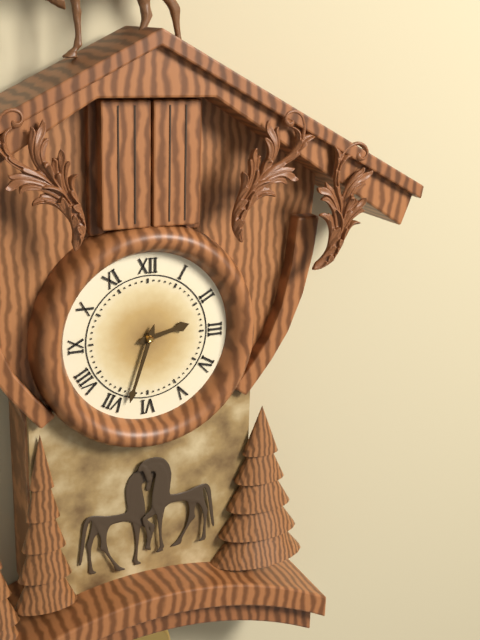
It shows {"hour": 2, "minute": 33}
